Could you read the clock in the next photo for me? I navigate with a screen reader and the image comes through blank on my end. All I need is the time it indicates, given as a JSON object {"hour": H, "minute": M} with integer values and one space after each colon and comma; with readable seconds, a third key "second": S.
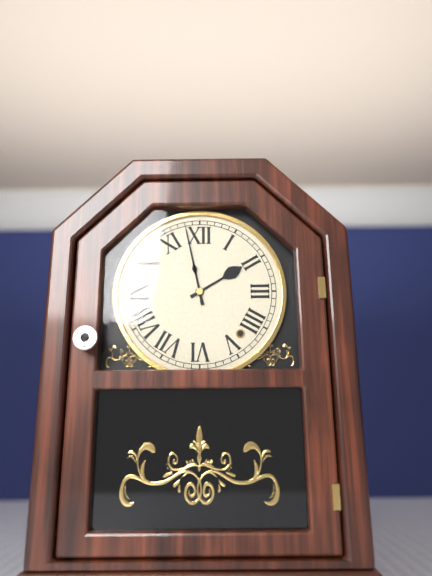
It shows {"hour": 1, "minute": 58}
